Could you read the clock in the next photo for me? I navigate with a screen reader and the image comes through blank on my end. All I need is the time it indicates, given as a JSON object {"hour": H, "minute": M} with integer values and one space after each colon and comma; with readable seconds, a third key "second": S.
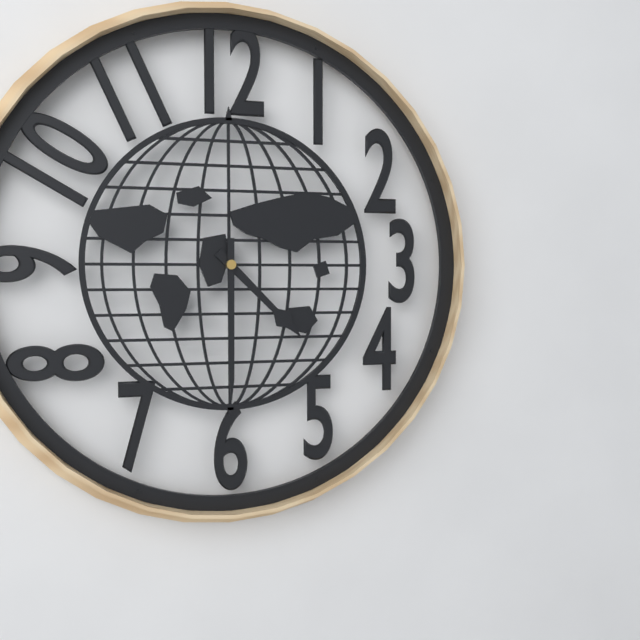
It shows {"hour": 4, "minute": 30}
